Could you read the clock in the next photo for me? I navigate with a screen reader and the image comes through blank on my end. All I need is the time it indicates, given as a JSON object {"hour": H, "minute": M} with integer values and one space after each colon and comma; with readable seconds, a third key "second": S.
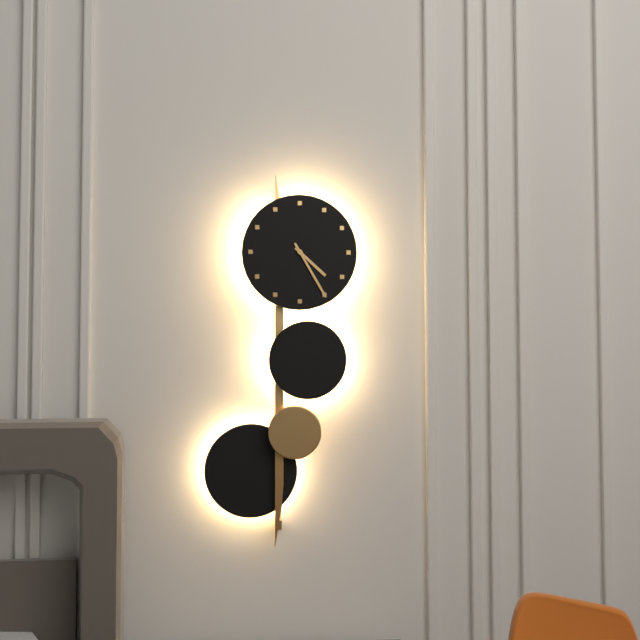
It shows {"hour": 4, "minute": 25}
